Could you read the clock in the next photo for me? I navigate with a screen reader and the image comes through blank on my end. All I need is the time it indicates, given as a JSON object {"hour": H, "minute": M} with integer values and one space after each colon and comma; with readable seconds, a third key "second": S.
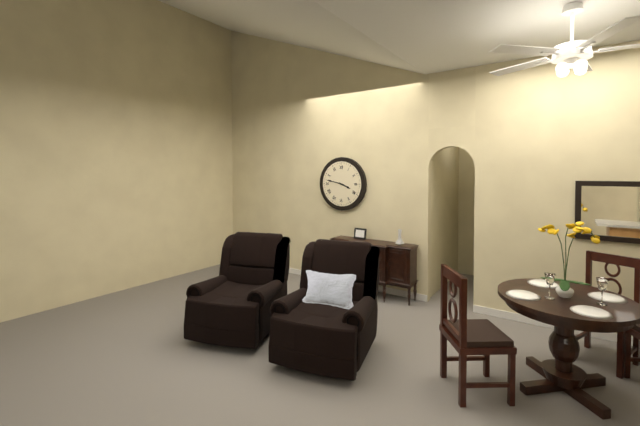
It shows {"hour": 3, "minute": 47}
